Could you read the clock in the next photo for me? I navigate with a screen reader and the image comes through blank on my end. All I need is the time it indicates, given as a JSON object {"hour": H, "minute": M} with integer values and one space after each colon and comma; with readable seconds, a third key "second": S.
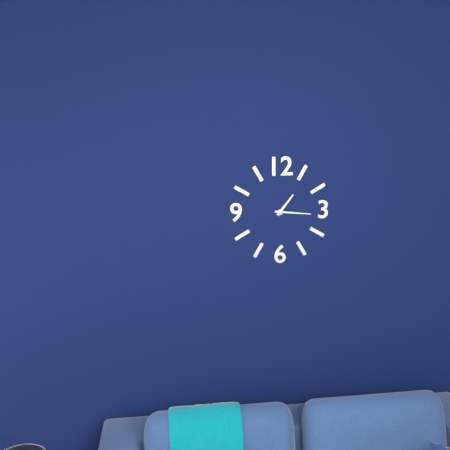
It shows {"hour": 1, "minute": 16}
